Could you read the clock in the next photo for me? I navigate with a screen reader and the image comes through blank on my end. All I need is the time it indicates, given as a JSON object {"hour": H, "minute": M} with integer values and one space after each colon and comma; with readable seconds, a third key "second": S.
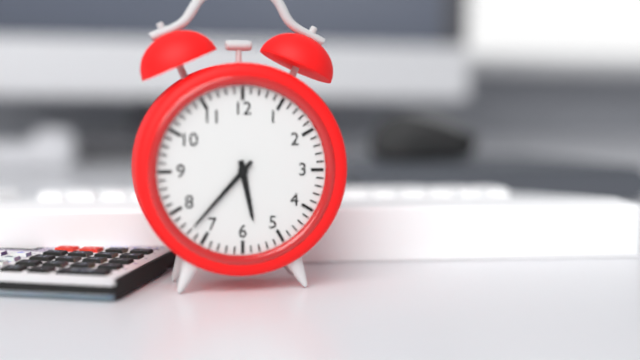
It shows {"hour": 5, "minute": 37}
